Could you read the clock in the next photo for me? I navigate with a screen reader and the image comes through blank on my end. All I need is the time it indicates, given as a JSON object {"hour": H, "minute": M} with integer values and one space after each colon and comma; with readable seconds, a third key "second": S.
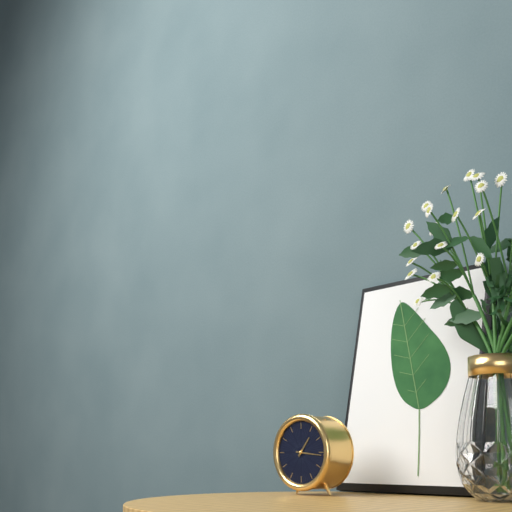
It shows {"hour": 1, "minute": 16}
